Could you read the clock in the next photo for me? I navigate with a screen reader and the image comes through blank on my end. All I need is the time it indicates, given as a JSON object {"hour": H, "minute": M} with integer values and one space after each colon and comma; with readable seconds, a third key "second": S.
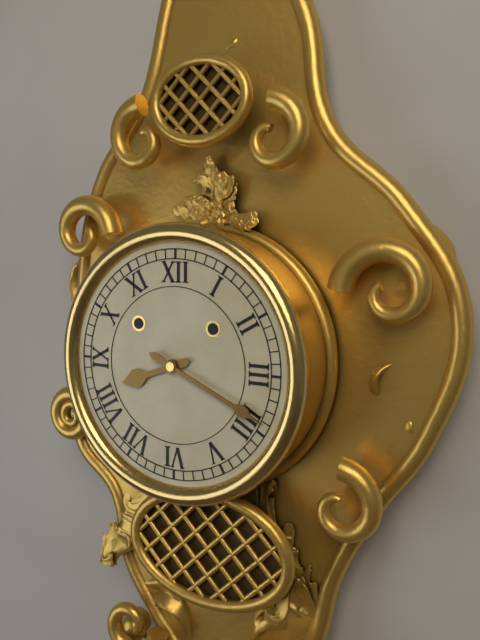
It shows {"hour": 8, "minute": 19}
